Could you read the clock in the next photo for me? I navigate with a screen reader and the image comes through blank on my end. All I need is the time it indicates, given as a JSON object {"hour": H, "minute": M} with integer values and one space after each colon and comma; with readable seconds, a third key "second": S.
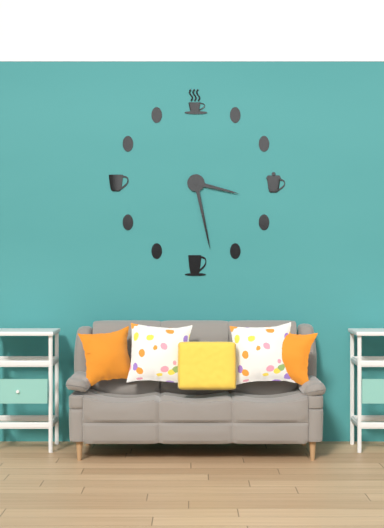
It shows {"hour": 3, "minute": 28}
